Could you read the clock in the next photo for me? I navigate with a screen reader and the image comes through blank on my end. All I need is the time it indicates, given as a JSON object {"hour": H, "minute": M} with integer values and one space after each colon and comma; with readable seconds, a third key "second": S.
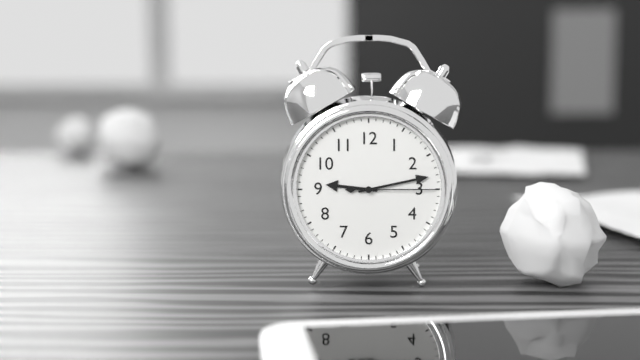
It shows {"hour": 9, "minute": 13, "second": 15}
